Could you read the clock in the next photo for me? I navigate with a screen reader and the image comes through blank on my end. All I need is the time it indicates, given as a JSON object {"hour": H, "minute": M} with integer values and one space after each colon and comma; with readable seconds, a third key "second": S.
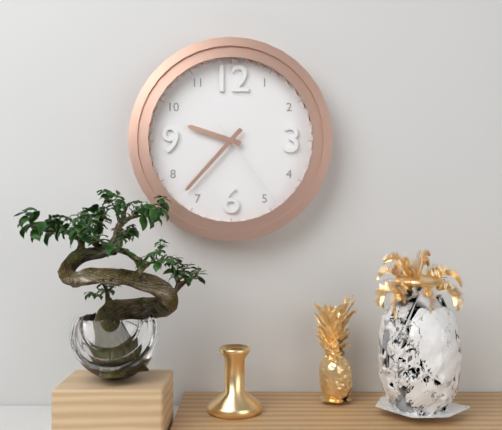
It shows {"hour": 9, "minute": 37, "second": 24}
